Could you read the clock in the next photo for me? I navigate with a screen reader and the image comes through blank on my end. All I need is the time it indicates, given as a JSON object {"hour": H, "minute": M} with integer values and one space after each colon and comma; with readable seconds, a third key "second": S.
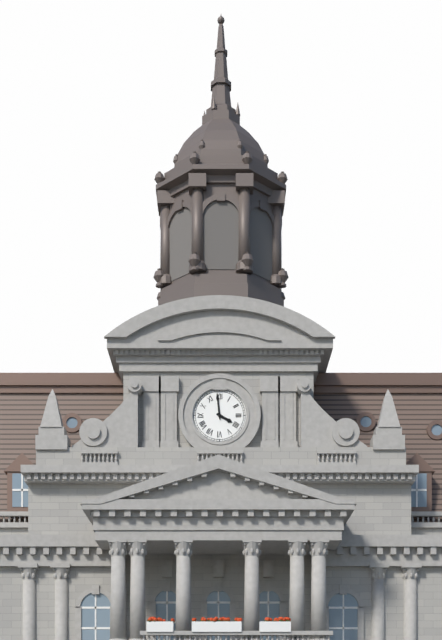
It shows {"hour": 3, "minute": 59}
